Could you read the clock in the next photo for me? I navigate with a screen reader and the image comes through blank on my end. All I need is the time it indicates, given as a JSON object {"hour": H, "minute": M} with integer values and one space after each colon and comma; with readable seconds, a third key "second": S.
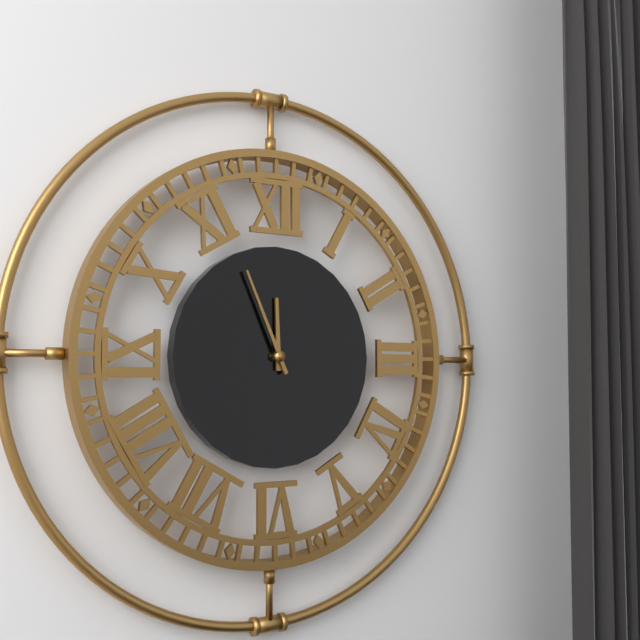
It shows {"hour": 11, "minute": 56}
